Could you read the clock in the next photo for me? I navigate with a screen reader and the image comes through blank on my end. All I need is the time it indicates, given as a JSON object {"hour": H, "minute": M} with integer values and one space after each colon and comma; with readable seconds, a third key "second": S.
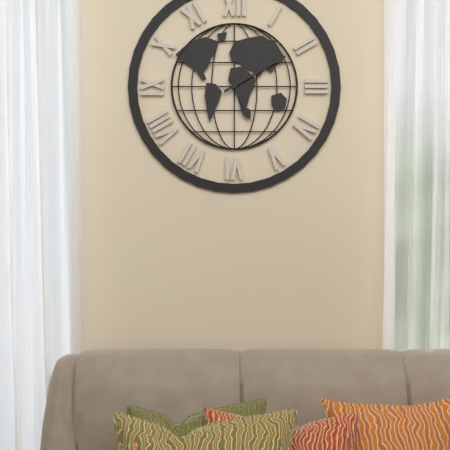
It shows {"hour": 5, "minute": 10}
